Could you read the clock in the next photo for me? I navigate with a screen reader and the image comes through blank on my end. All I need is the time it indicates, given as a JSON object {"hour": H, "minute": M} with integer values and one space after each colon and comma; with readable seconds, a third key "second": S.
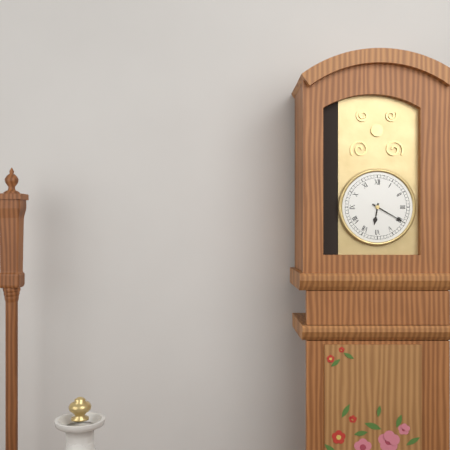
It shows {"hour": 6, "minute": 20}
